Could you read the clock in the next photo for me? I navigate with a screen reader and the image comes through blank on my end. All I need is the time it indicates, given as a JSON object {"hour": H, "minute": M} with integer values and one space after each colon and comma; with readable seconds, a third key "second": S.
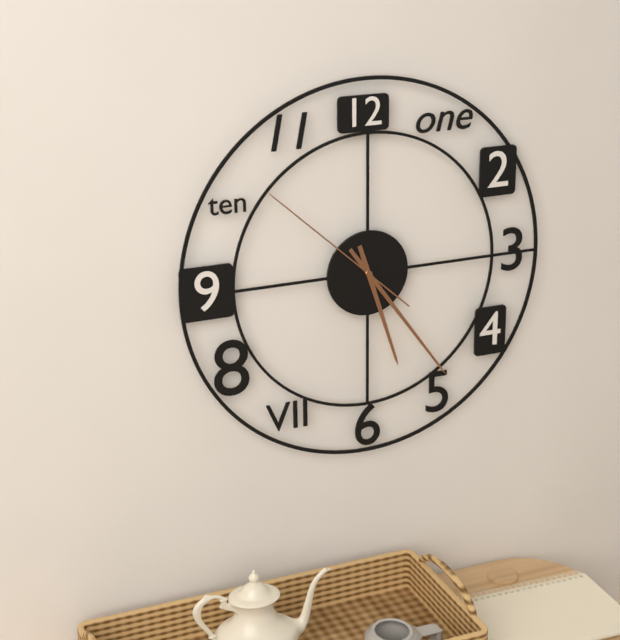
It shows {"hour": 5, "minute": 24, "second": 52}
